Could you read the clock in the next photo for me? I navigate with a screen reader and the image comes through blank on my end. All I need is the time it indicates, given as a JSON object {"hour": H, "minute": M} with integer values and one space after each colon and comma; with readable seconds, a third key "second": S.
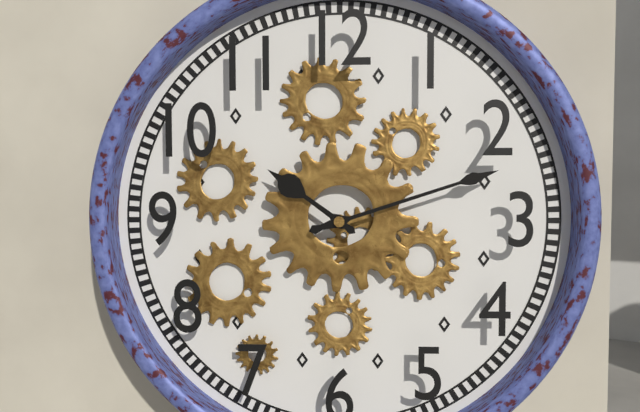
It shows {"hour": 10, "minute": 12}
